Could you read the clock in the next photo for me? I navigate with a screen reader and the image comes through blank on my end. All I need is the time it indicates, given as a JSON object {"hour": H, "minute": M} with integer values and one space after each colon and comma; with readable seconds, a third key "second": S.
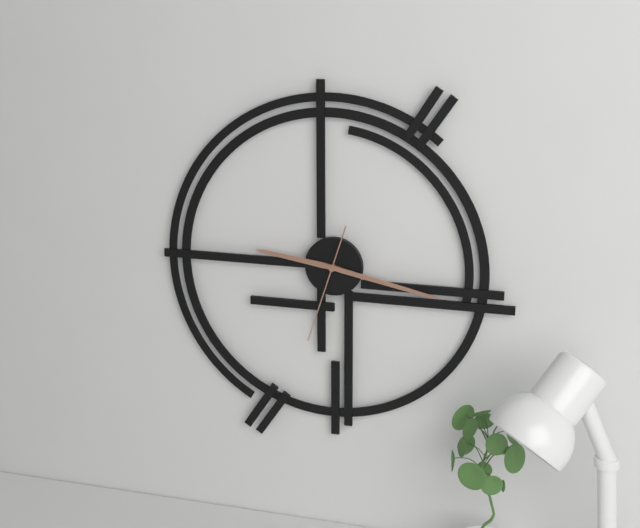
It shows {"hour": 9, "minute": 17, "second": 33}
